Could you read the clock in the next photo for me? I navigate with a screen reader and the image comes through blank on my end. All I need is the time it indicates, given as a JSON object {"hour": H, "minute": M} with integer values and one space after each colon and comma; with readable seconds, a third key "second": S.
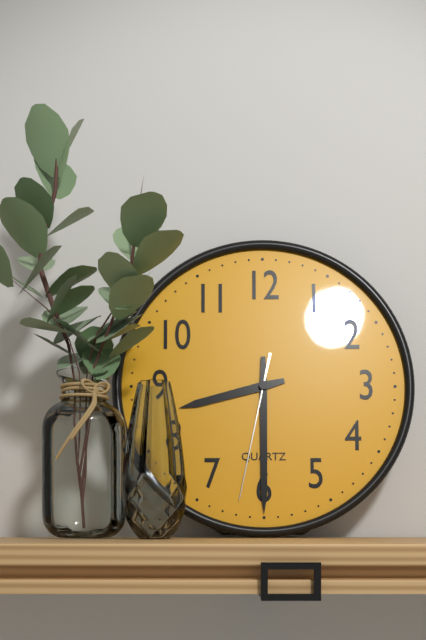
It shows {"hour": 8, "minute": 30, "second": 32}
